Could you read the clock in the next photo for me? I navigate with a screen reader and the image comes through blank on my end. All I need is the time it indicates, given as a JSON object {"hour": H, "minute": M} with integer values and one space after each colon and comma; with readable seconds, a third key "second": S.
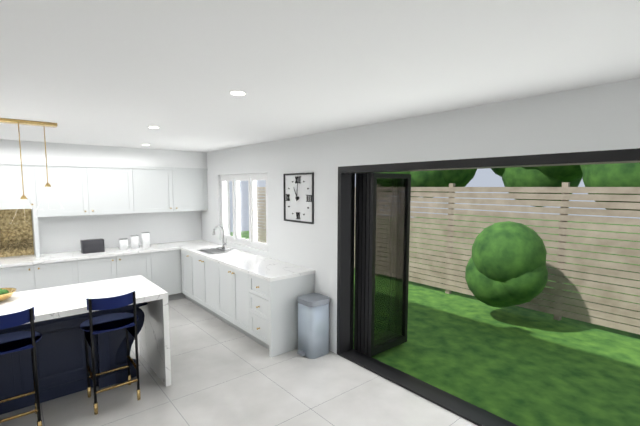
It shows {"hour": 11, "minute": 1}
